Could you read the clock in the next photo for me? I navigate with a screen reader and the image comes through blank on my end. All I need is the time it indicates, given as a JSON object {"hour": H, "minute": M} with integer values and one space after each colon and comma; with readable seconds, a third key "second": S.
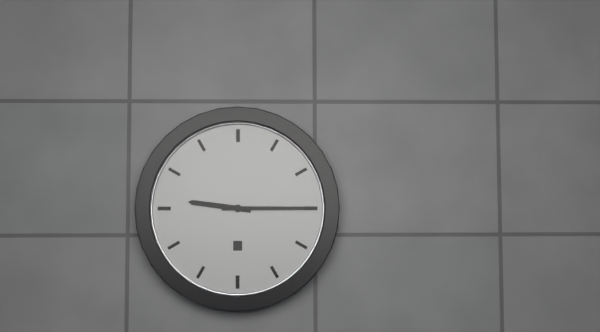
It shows {"hour": 9, "minute": 15}
